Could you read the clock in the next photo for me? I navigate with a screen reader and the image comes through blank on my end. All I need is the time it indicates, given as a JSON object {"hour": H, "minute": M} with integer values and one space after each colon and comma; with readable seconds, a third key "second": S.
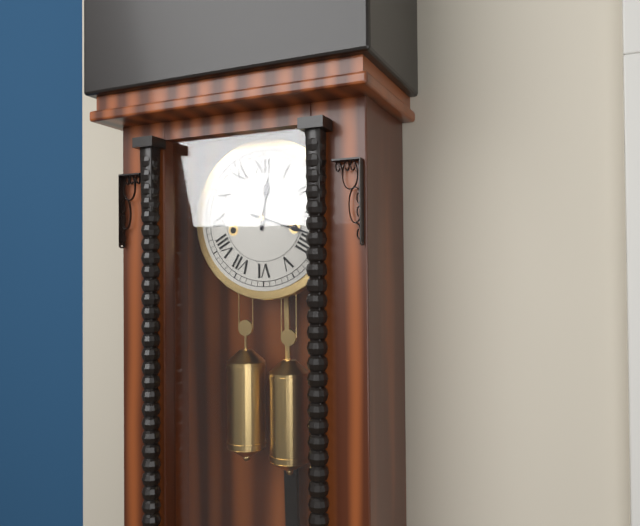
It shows {"hour": 12, "minute": 18}
